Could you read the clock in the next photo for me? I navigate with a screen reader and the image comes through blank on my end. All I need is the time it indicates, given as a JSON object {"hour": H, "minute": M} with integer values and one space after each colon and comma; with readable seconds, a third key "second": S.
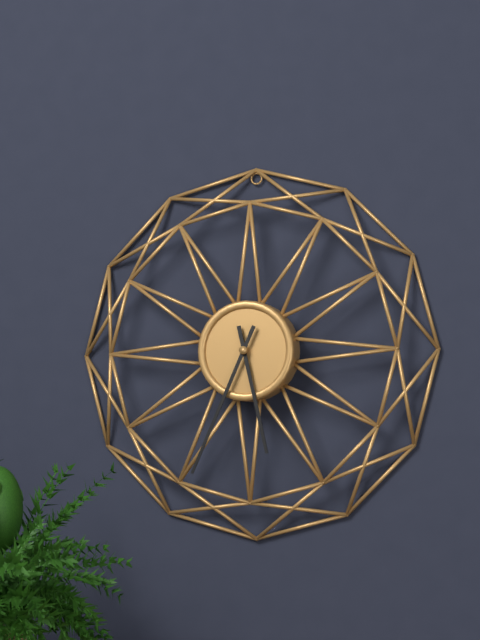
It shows {"hour": 5, "minute": 34}
